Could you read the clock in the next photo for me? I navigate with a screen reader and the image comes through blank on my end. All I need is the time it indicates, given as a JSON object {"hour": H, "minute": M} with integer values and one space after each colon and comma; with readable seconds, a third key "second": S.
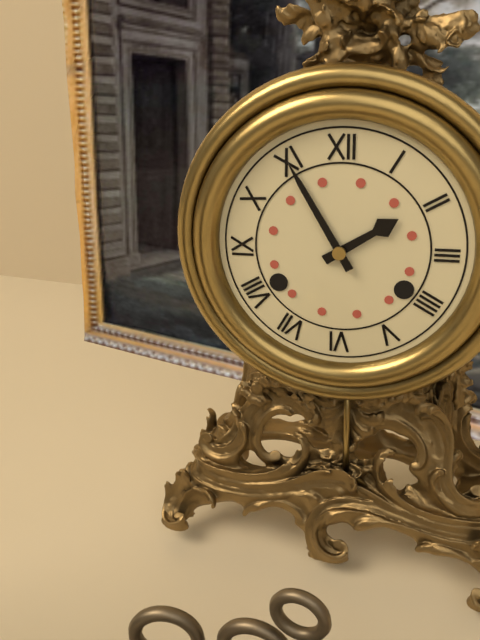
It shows {"hour": 1, "minute": 55}
